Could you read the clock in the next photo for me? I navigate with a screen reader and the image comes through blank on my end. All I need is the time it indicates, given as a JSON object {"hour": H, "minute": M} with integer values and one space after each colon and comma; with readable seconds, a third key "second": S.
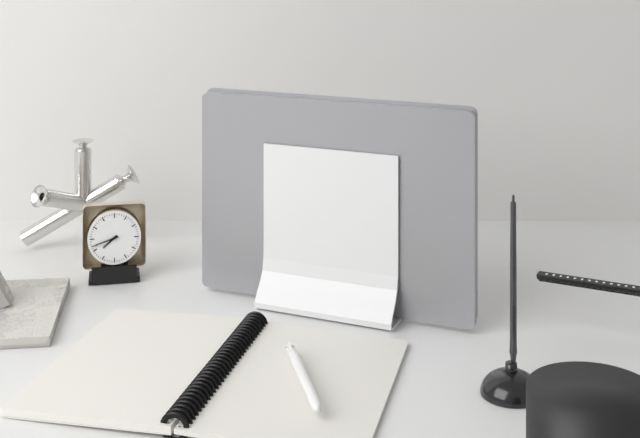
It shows {"hour": 7, "minute": 42}
